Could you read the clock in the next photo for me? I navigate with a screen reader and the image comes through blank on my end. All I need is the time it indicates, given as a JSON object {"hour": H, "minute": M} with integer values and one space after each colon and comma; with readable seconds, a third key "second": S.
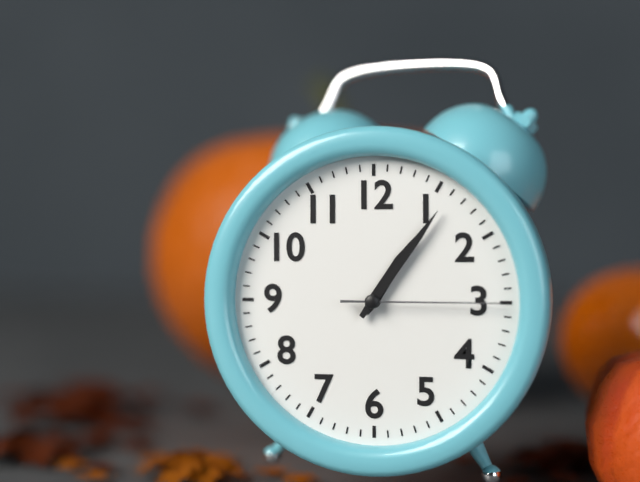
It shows {"hour": 1, "minute": 6, "second": 15}
